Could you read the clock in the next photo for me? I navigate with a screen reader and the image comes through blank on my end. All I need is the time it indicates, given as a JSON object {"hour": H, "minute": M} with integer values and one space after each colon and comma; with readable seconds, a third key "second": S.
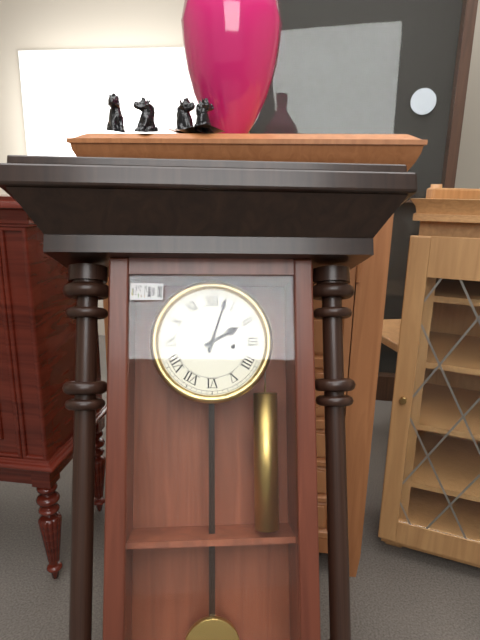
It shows {"hour": 2, "minute": 3}
